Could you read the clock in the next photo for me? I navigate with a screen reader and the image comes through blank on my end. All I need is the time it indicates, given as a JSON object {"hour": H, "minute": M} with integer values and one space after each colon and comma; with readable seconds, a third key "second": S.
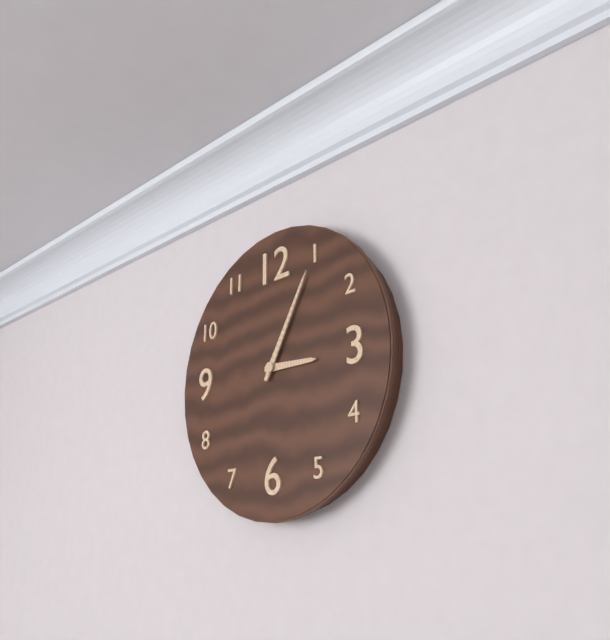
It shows {"hour": 3, "minute": 5}
